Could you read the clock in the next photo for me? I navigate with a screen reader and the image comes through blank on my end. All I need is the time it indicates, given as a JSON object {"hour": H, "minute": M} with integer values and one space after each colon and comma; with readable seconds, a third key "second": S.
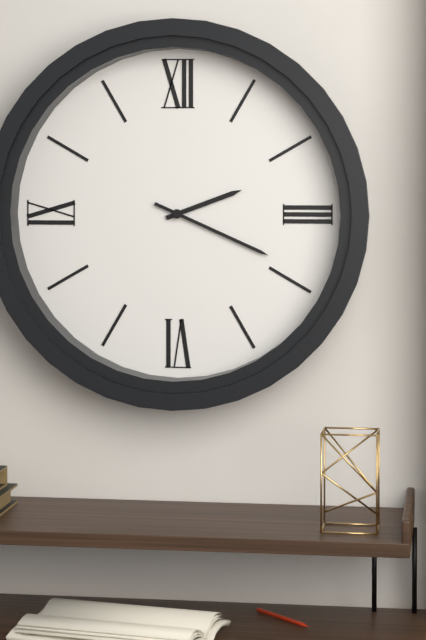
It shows {"hour": 2, "minute": 19}
